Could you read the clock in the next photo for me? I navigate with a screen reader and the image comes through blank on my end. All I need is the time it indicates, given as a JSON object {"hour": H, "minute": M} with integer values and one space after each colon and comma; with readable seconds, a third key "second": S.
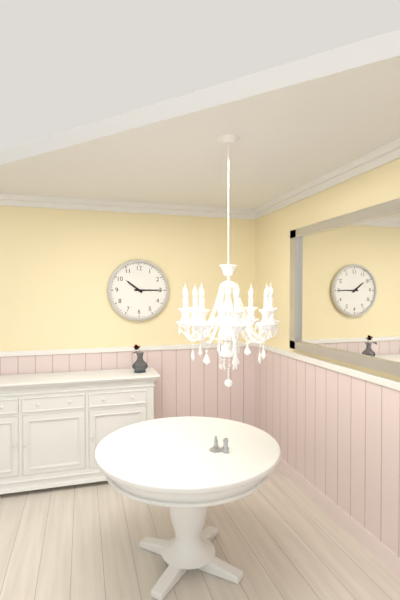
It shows {"hour": 10, "minute": 15}
